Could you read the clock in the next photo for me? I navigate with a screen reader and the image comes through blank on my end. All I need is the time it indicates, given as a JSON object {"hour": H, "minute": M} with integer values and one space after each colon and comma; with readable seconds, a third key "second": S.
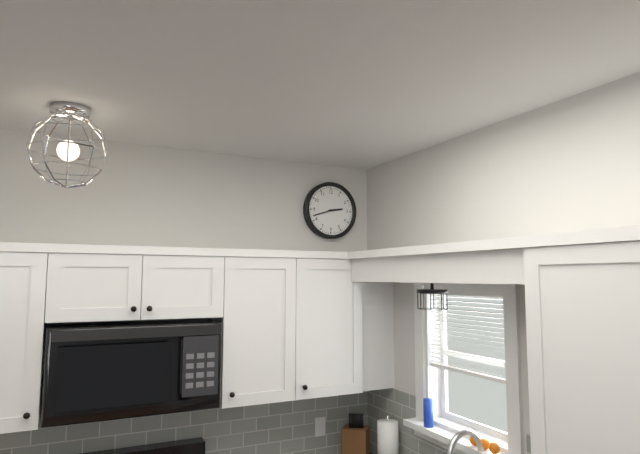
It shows {"hour": 2, "minute": 42}
